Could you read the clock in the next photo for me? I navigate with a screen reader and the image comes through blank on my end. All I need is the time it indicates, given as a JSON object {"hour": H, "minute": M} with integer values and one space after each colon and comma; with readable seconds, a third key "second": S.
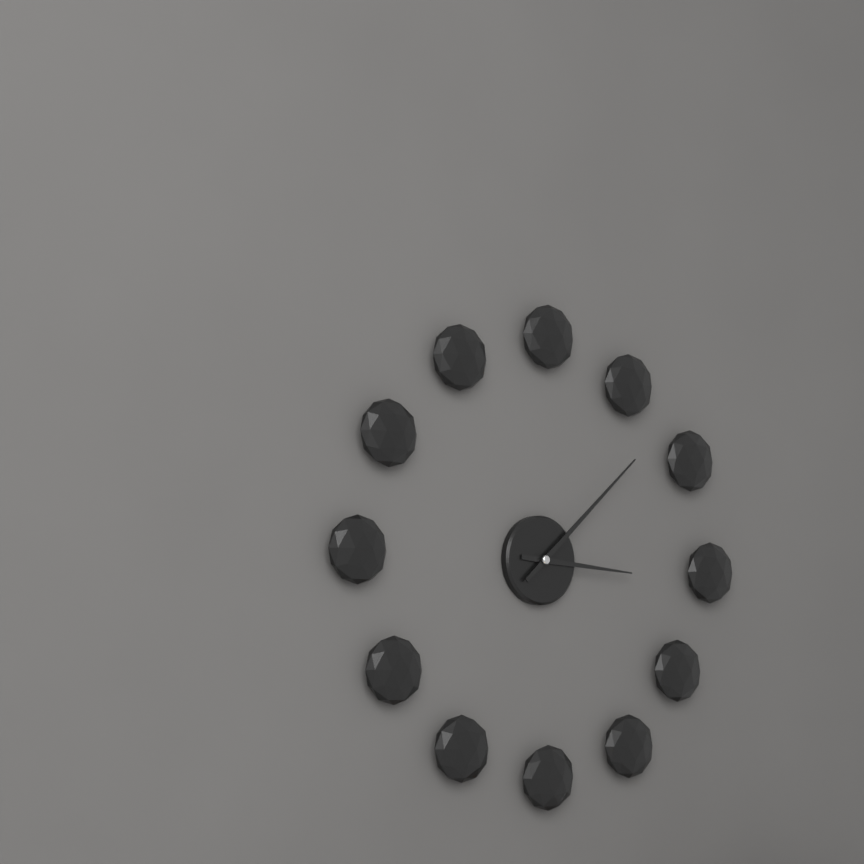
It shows {"hour": 3, "minute": 8}
